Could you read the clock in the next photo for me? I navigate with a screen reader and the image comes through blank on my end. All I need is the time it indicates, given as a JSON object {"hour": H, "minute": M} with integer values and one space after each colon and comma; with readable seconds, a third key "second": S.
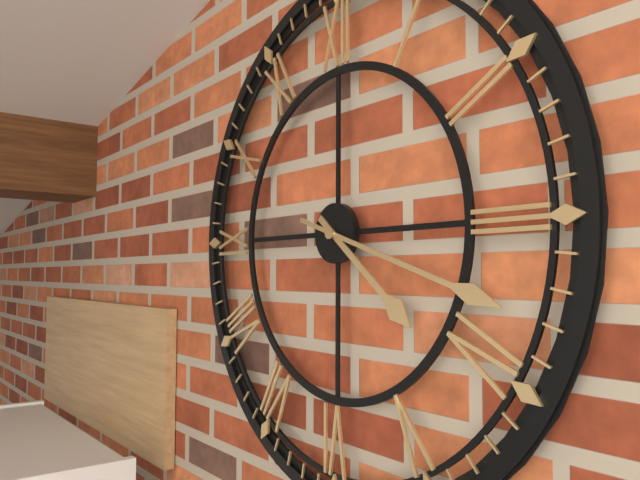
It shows {"hour": 4, "minute": 18}
